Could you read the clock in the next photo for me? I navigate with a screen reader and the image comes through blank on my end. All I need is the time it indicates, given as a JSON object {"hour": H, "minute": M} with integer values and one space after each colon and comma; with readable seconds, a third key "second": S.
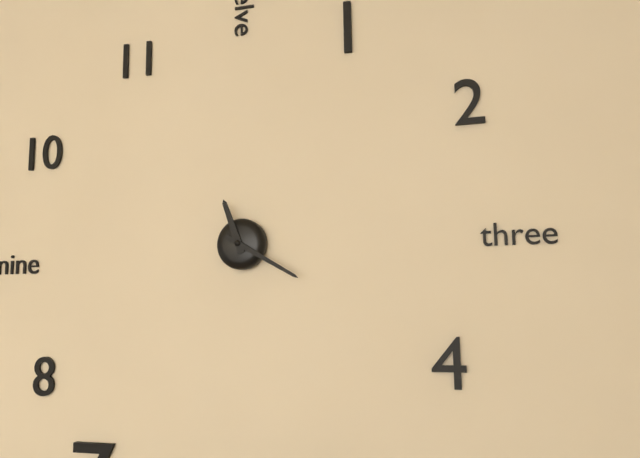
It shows {"hour": 11, "minute": 20}
